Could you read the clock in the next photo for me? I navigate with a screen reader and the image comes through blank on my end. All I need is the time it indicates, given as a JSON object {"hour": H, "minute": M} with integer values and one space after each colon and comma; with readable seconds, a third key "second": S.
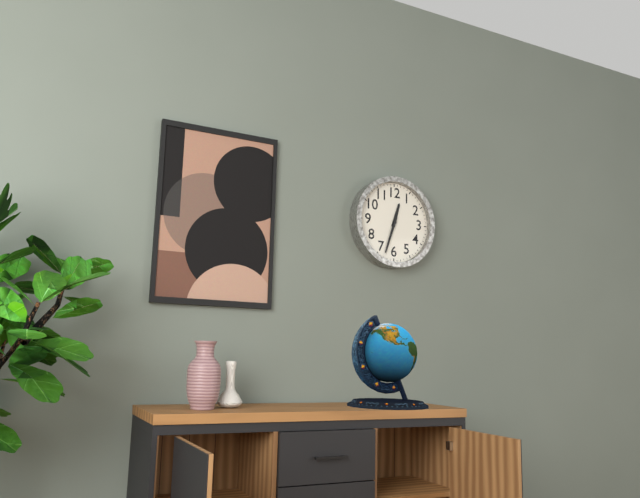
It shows {"hour": 12, "minute": 33}
